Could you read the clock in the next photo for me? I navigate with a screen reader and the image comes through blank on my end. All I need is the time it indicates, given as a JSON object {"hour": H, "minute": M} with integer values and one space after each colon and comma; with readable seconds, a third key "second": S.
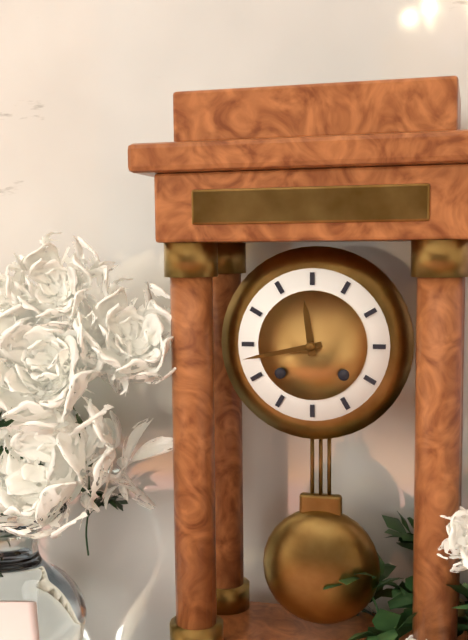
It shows {"hour": 11, "minute": 43}
